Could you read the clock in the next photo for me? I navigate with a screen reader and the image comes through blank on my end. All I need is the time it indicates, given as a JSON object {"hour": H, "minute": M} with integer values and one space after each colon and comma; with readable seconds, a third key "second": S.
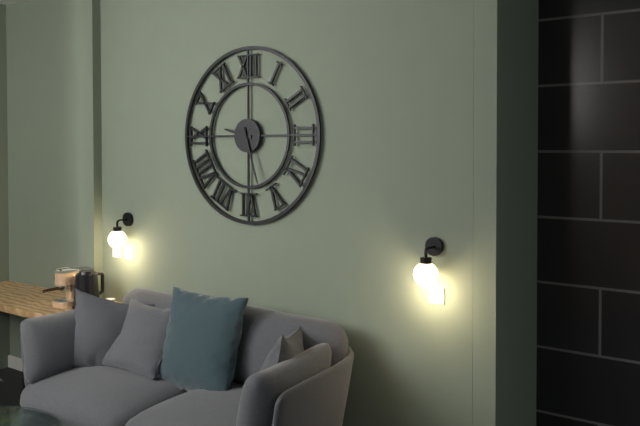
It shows {"hour": 9, "minute": 27}
